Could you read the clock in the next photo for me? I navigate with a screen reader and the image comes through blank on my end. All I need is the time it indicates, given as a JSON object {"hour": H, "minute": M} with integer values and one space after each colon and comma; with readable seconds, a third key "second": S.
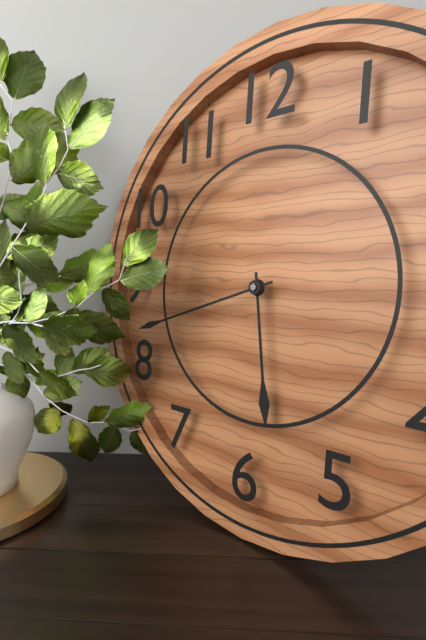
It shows {"hour": 5, "minute": 42}
